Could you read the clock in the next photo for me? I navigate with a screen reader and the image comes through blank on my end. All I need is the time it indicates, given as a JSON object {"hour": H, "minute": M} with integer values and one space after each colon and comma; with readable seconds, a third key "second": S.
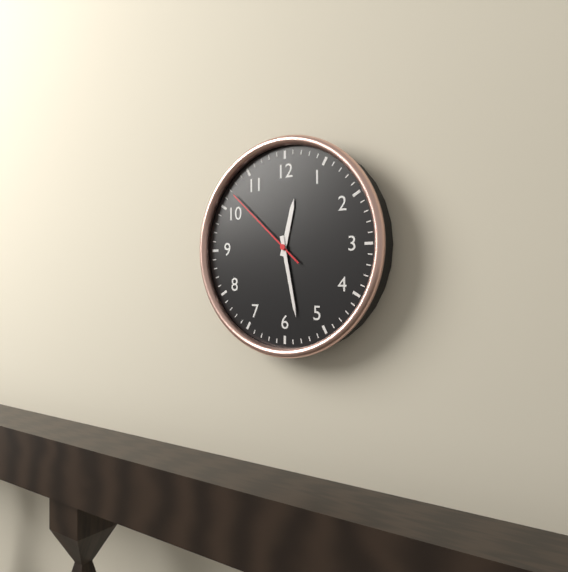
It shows {"hour": 12, "minute": 28, "second": 52}
